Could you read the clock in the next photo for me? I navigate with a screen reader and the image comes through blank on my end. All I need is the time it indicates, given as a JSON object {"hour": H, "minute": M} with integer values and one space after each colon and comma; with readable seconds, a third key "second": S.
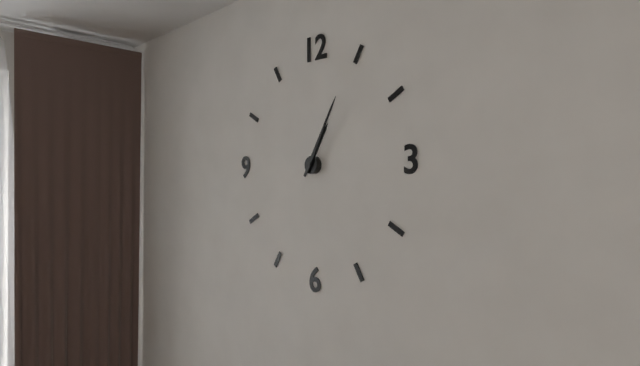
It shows {"hour": 1, "minute": 5}
